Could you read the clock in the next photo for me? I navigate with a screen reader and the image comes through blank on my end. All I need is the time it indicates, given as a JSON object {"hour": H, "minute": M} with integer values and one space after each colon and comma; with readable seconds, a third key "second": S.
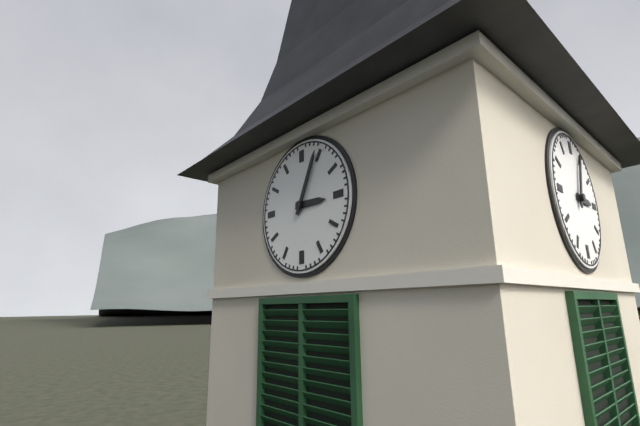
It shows {"hour": 3, "minute": 4}
